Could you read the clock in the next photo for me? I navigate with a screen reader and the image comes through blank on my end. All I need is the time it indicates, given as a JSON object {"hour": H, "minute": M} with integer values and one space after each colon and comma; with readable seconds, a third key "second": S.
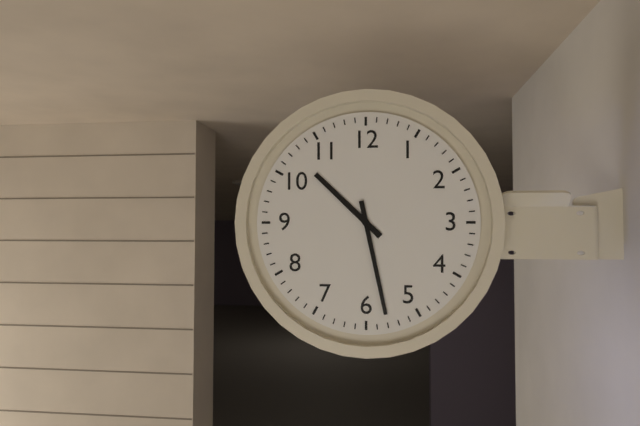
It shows {"hour": 10, "minute": 28}
